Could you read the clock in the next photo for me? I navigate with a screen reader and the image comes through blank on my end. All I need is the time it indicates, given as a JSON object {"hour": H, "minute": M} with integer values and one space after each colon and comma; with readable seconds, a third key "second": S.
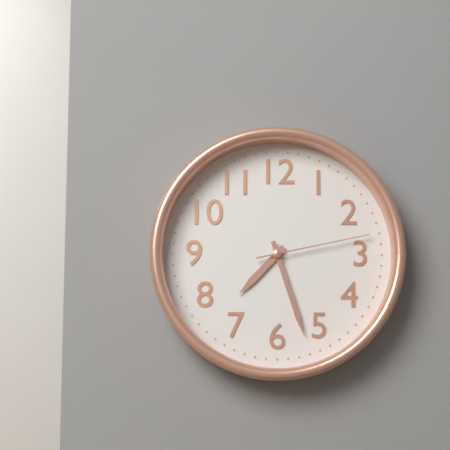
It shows {"hour": 7, "minute": 27, "second": 13}
